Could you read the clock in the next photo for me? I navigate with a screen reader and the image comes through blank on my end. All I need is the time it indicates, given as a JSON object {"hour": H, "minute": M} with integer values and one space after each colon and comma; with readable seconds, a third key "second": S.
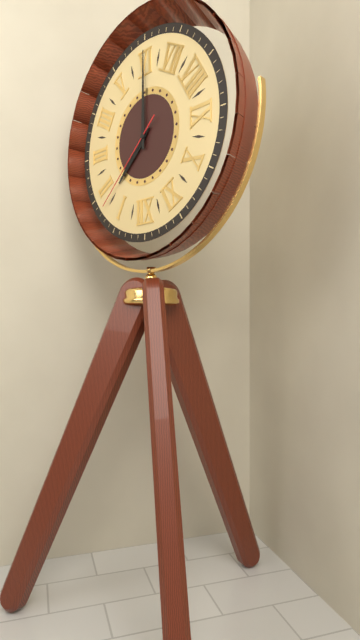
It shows {"hour": 1, "minute": 30, "second": 8}
